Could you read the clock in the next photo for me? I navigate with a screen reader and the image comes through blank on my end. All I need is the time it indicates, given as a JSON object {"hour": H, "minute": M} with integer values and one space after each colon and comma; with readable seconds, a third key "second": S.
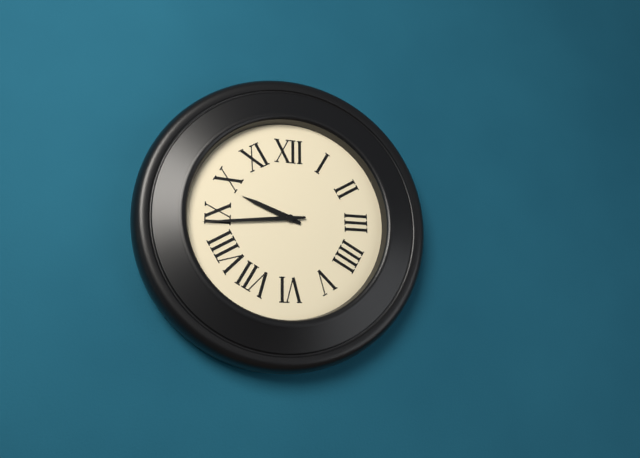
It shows {"hour": 9, "minute": 44}
